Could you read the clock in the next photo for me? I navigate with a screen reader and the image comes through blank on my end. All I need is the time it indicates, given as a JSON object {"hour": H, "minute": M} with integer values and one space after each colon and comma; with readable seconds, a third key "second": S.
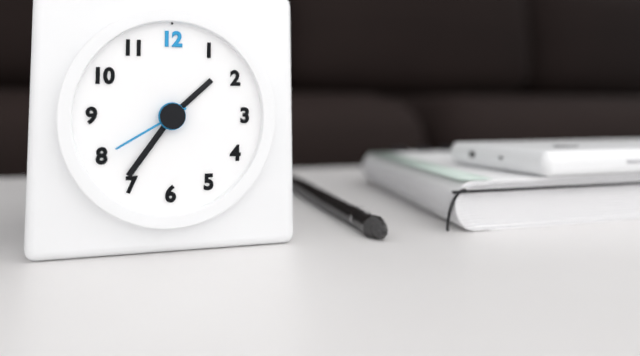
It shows {"hour": 1, "minute": 36, "second": 40}
